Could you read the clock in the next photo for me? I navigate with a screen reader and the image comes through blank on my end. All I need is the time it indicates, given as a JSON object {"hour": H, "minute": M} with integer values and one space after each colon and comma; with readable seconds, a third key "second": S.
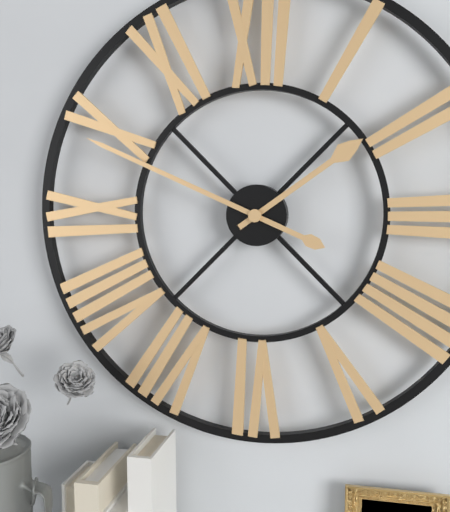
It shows {"hour": 1, "minute": 49}
